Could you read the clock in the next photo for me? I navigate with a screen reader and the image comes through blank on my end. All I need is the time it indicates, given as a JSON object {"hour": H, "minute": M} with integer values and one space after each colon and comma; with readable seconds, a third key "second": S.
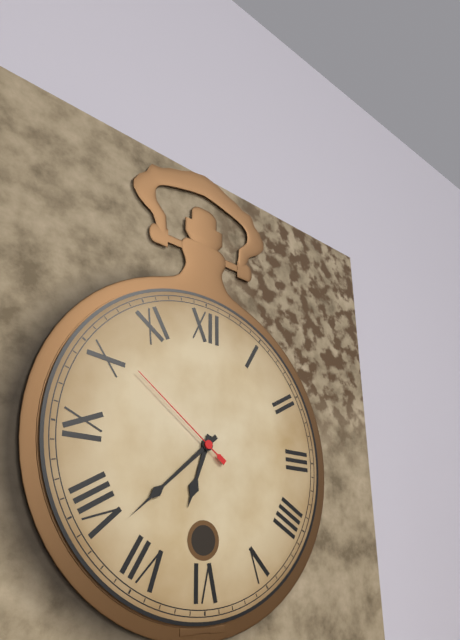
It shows {"hour": 6, "minute": 38, "second": 51}
